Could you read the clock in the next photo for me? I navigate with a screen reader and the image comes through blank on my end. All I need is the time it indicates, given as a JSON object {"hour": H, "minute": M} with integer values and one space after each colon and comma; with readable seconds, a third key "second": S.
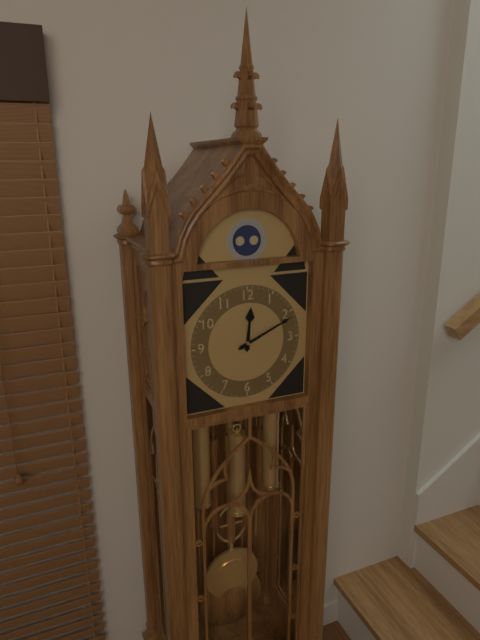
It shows {"hour": 12, "minute": 11}
